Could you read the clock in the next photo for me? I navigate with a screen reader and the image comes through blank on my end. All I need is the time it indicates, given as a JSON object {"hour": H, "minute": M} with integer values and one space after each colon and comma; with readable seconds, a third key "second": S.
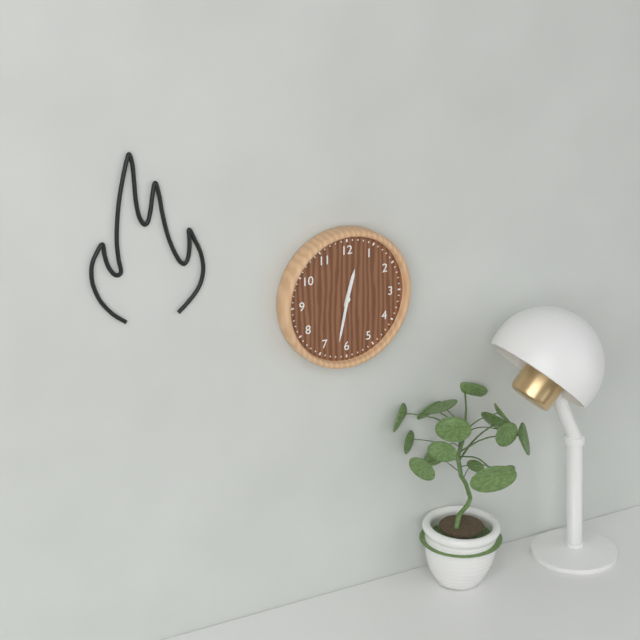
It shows {"hour": 12, "minute": 32}
